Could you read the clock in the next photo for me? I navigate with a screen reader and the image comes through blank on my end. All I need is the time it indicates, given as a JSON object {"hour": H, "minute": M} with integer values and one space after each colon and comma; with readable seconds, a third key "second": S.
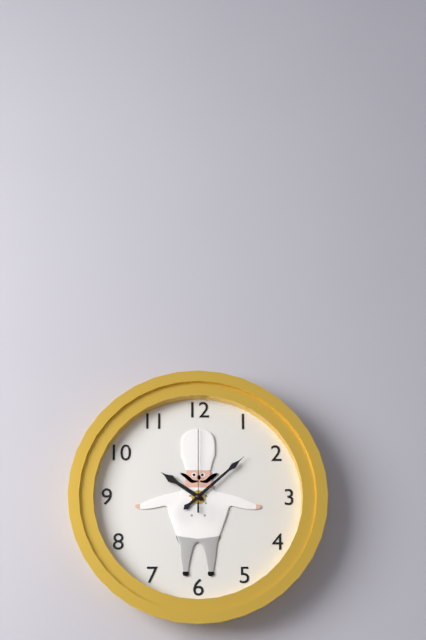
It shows {"hour": 10, "minute": 8, "second": 0}
